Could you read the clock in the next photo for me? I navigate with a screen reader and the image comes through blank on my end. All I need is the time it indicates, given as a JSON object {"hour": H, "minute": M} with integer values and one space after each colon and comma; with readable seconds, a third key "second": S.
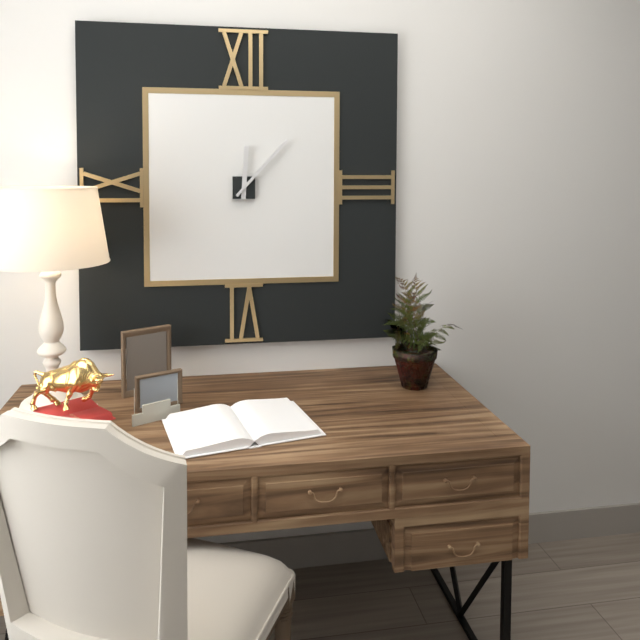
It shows {"hour": 12, "minute": 7}
